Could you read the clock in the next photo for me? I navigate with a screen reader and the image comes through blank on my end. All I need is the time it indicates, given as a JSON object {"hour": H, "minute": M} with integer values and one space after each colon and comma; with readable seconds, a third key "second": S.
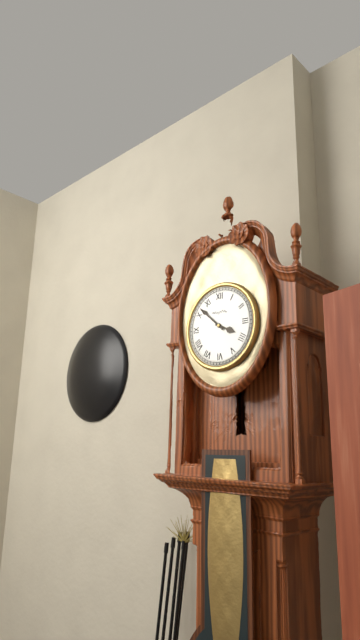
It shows {"hour": 3, "minute": 52}
